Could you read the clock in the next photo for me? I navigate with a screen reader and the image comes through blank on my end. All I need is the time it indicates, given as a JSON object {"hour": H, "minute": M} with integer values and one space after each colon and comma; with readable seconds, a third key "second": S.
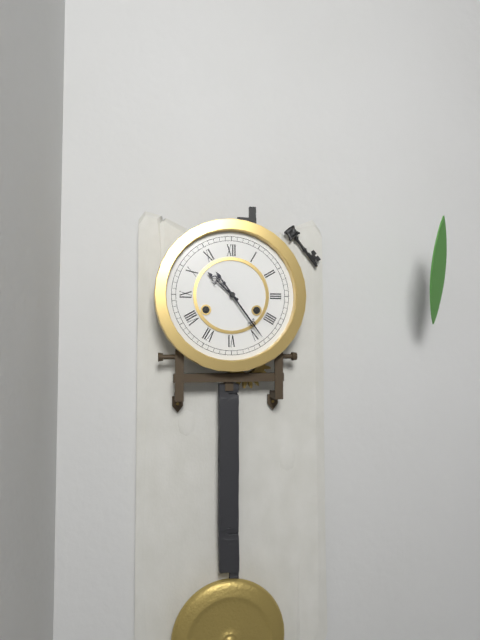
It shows {"hour": 10, "minute": 24}
